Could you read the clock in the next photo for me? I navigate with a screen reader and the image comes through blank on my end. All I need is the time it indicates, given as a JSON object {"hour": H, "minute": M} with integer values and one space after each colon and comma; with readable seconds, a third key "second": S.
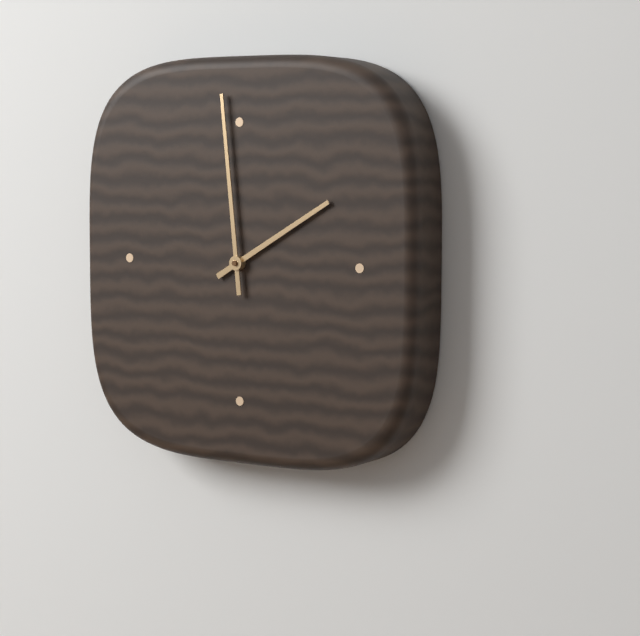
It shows {"hour": 1, "minute": 59}
